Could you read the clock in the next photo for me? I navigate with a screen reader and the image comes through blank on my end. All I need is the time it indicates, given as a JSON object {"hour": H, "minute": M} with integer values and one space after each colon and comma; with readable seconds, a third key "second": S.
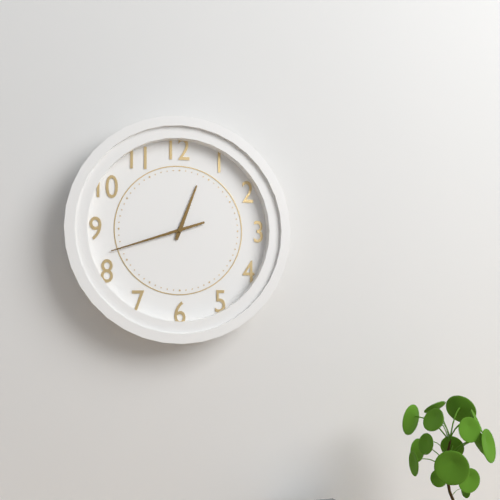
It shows {"hour": 12, "minute": 42}
